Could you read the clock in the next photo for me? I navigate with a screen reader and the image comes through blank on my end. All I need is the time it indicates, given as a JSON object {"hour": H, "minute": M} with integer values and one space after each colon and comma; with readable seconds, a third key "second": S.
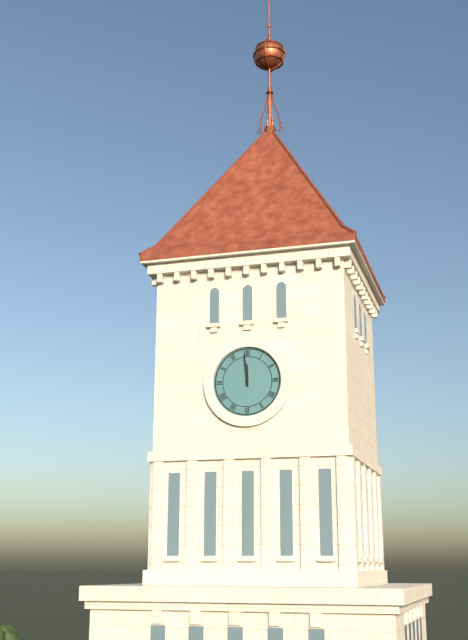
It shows {"hour": 11, "minute": 59}
